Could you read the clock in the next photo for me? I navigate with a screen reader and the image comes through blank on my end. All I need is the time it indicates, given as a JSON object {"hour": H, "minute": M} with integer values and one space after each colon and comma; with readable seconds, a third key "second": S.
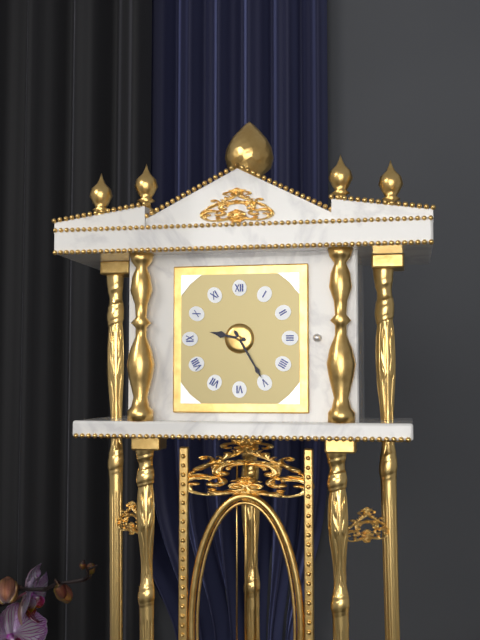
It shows {"hour": 9, "minute": 25}
